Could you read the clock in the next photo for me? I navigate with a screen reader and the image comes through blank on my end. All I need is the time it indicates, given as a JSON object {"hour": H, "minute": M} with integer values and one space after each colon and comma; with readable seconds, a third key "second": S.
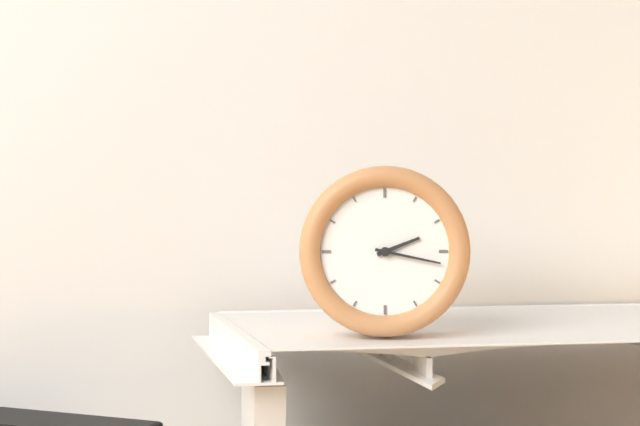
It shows {"hour": 2, "minute": 17}
